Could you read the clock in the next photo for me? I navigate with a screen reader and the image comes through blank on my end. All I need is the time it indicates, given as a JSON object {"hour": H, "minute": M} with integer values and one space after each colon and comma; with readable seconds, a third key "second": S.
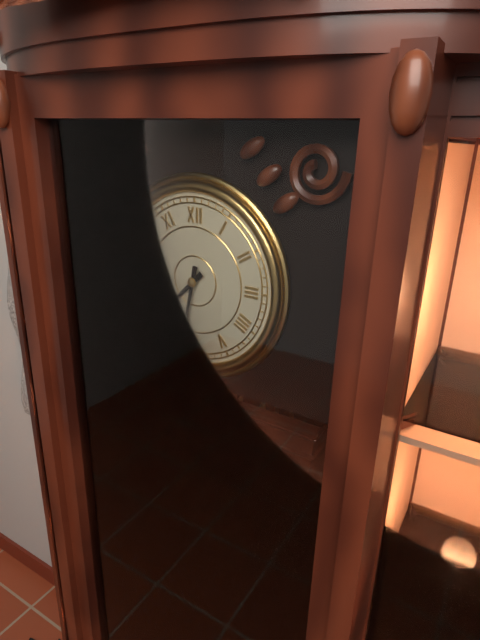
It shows {"hour": 7, "minute": 32}
